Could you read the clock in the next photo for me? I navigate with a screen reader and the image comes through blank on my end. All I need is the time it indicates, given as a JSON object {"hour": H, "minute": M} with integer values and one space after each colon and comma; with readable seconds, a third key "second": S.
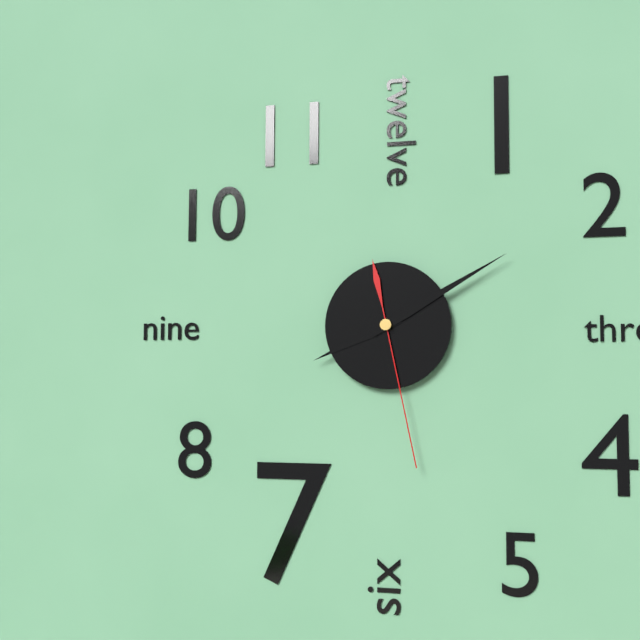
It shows {"hour": 8, "minute": 10, "second": 28}
